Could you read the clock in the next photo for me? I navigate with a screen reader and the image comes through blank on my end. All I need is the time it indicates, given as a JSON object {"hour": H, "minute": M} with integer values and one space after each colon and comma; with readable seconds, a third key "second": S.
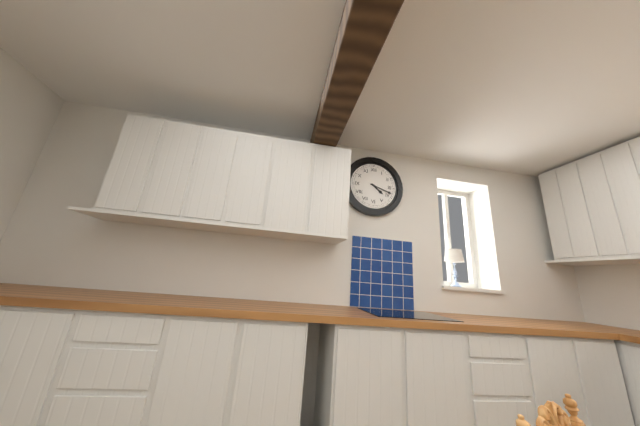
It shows {"hour": 4, "minute": 18}
